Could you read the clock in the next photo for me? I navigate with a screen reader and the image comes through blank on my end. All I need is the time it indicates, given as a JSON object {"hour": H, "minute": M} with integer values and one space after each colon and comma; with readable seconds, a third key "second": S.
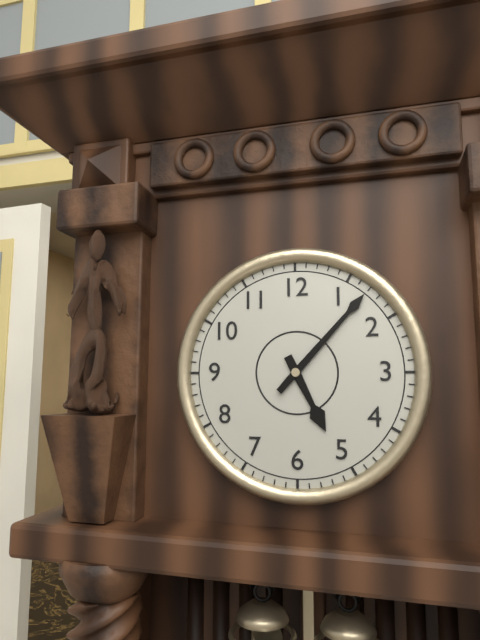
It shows {"hour": 5, "minute": 7}
